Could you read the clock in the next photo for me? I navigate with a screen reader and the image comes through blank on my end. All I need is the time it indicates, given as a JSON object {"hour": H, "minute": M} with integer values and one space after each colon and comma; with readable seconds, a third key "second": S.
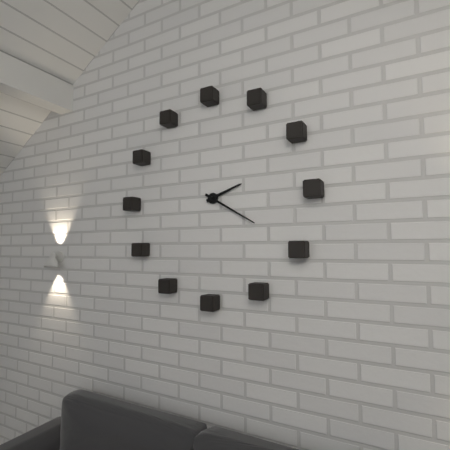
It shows {"hour": 2, "minute": 20}
